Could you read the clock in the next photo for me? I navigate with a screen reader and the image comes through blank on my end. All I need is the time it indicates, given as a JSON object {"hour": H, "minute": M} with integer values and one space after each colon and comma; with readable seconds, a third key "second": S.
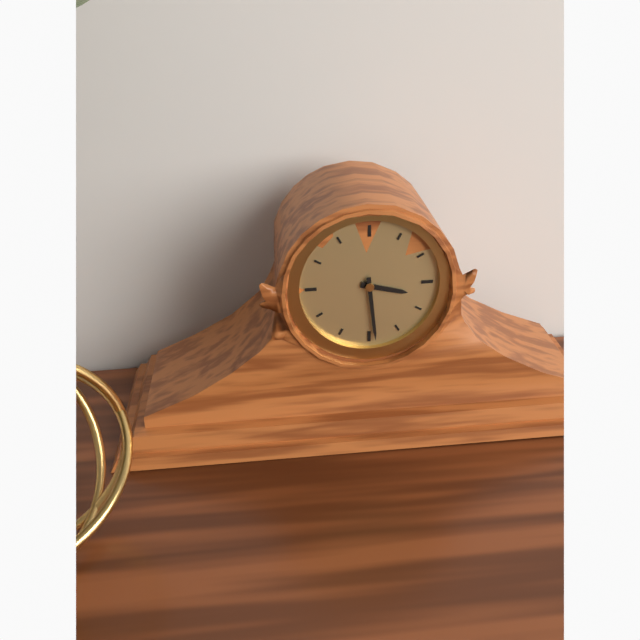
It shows {"hour": 3, "minute": 29}
